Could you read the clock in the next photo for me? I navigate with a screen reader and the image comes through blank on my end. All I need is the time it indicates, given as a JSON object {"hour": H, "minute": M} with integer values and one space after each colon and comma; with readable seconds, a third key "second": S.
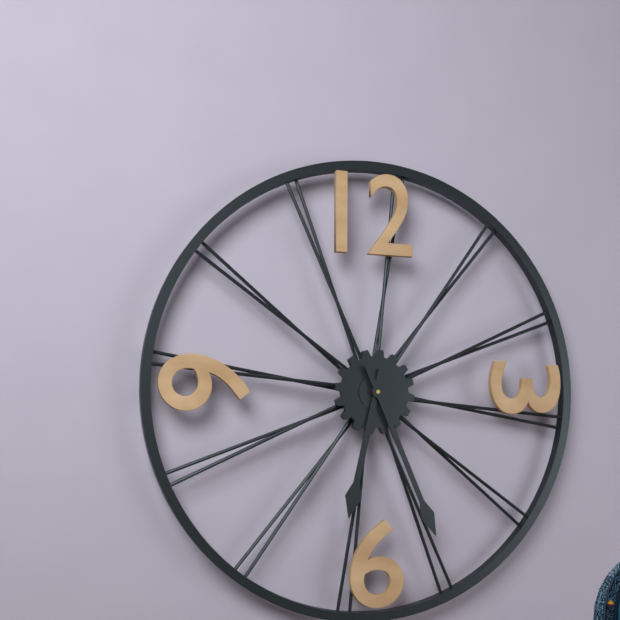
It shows {"hour": 6, "minute": 26}
